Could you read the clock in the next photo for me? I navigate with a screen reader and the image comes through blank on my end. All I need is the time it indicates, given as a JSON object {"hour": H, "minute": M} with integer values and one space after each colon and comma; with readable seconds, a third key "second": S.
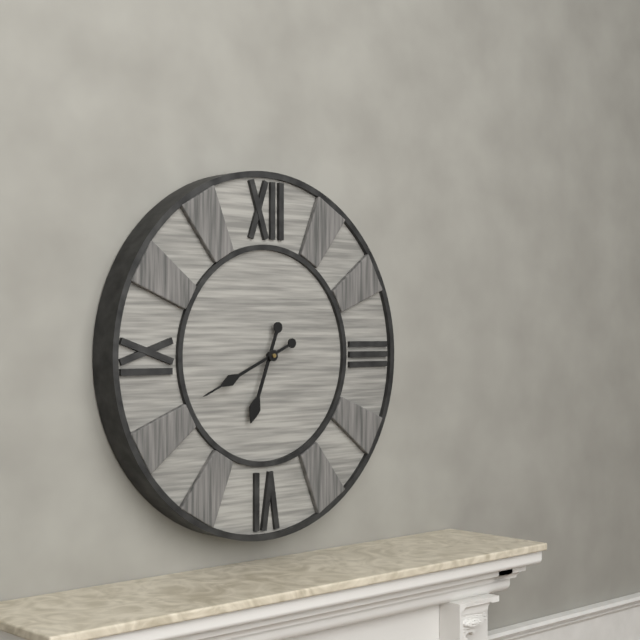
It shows {"hour": 6, "minute": 41}
